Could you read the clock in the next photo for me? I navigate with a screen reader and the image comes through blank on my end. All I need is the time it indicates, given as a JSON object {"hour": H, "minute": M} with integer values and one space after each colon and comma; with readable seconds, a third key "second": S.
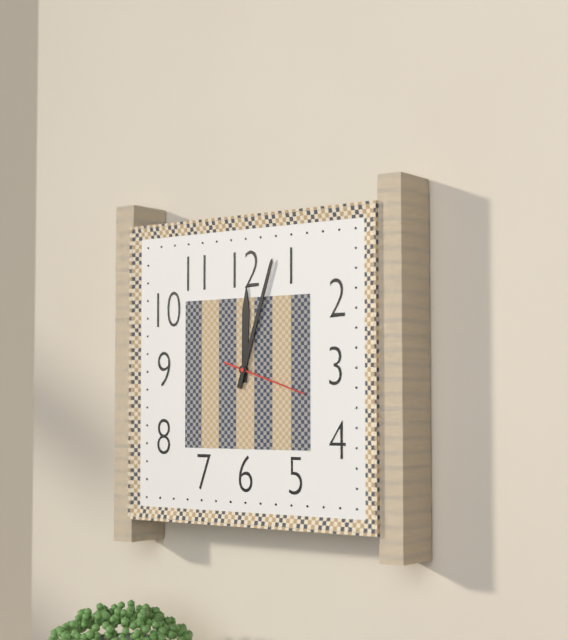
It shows {"hour": 12, "minute": 3, "second": 18}
